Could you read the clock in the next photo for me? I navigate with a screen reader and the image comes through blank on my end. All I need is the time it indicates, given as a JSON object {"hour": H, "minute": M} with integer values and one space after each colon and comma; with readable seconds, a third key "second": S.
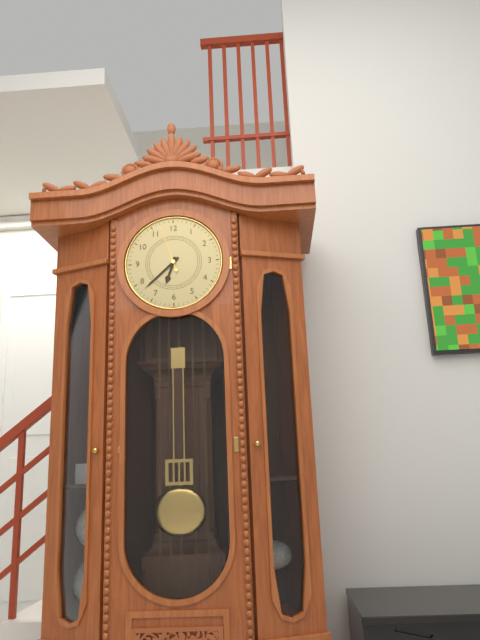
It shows {"hour": 6, "minute": 38, "second": 57}
